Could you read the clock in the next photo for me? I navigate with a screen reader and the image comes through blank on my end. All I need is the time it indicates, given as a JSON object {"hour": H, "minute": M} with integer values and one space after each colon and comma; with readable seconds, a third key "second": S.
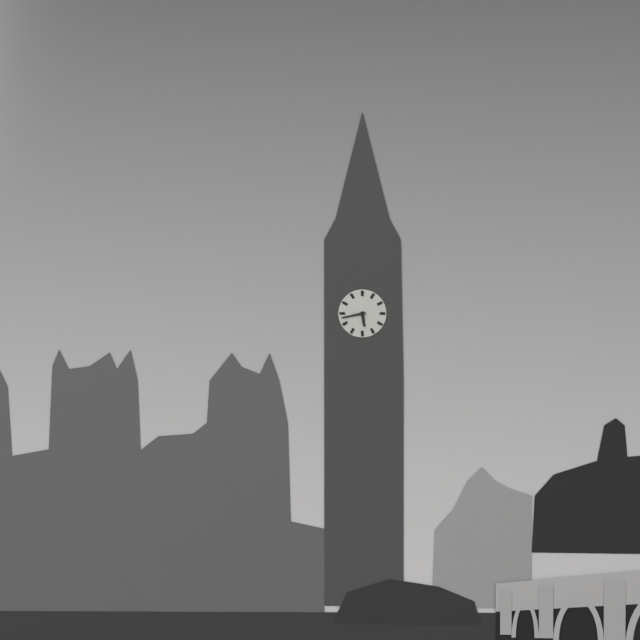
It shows {"hour": 5, "minute": 43}
